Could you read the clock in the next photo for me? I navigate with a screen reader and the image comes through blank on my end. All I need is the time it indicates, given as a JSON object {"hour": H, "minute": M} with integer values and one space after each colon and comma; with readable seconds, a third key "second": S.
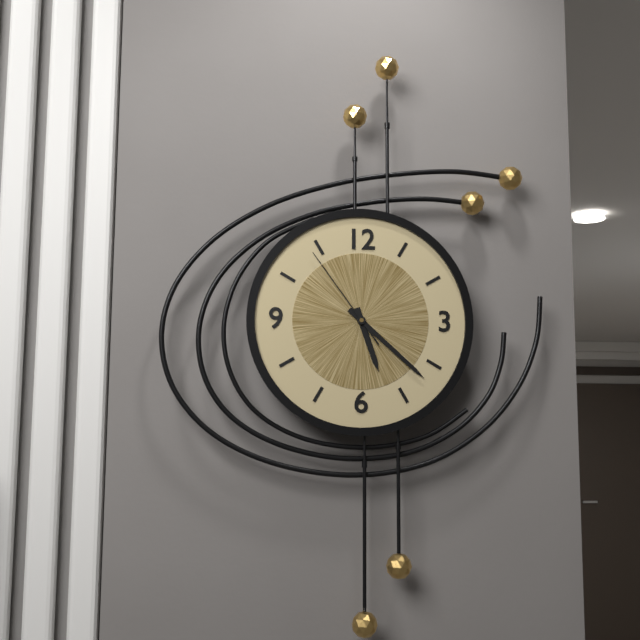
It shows {"hour": 5, "minute": 22, "second": 54}
